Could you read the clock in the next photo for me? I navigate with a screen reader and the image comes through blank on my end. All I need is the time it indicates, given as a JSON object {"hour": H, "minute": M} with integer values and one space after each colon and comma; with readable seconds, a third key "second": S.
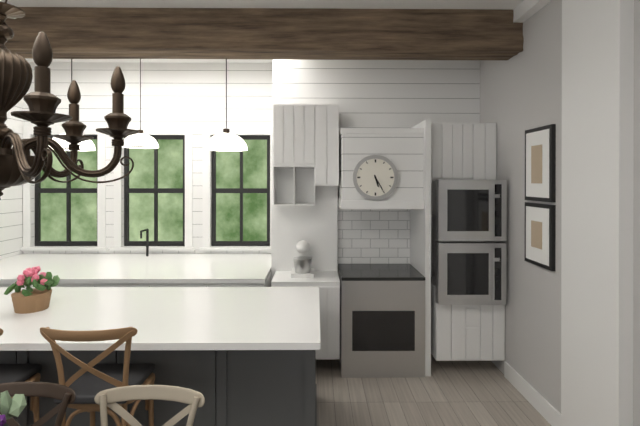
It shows {"hour": 5, "minute": 25}
